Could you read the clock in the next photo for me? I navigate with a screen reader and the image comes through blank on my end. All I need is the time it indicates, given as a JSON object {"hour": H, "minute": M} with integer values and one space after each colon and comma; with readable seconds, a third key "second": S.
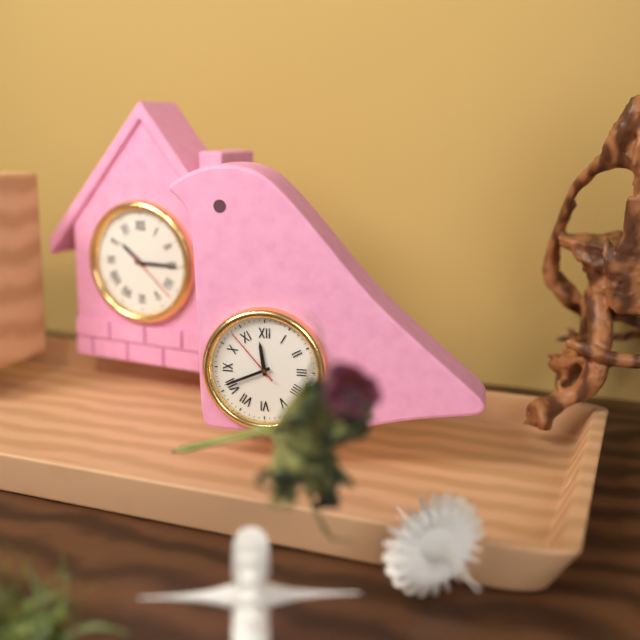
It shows {"hour": 11, "minute": 41, "second": 53}
